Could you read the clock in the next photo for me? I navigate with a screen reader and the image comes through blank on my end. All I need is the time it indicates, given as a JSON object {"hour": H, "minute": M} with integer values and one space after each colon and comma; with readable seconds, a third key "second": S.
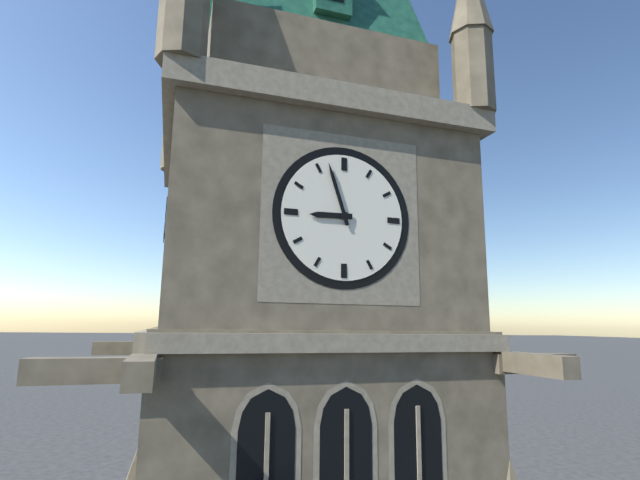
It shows {"hour": 8, "minute": 57}
